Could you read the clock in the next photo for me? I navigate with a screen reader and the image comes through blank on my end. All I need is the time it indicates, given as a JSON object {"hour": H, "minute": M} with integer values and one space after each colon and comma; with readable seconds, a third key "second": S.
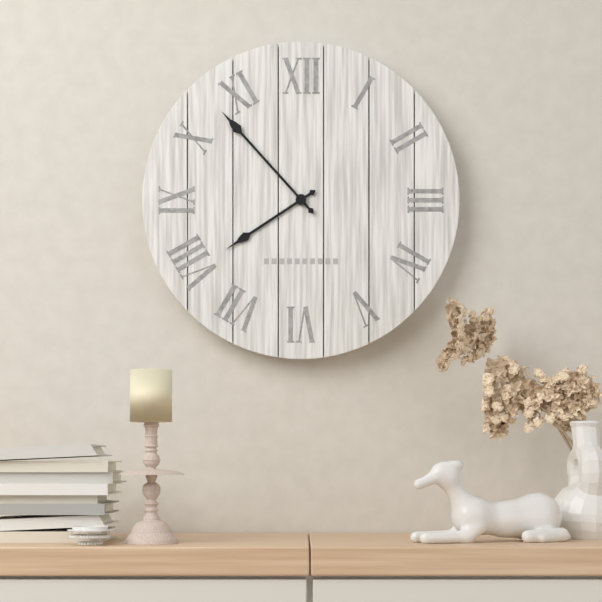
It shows {"hour": 7, "minute": 53}
